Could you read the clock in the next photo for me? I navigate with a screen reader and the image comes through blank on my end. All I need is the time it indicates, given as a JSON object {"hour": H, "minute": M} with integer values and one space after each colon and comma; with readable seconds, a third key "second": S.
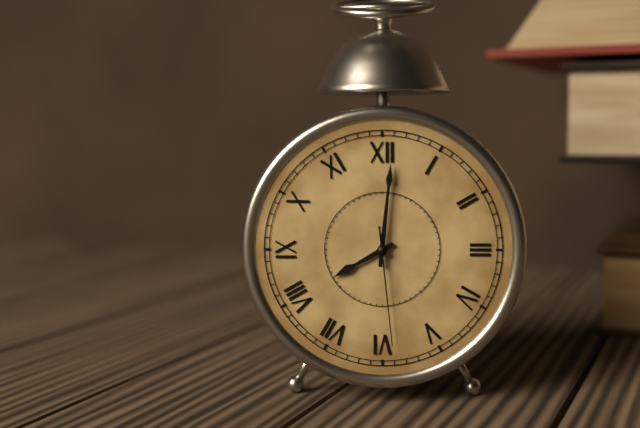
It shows {"hour": 8, "minute": 1, "second": 29}
